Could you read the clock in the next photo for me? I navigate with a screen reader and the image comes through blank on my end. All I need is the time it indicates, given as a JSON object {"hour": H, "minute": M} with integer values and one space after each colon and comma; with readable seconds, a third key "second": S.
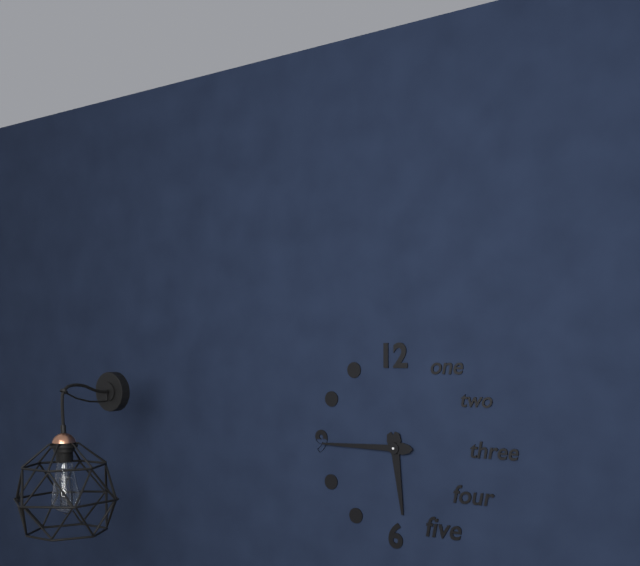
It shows {"hour": 5, "minute": 45}
